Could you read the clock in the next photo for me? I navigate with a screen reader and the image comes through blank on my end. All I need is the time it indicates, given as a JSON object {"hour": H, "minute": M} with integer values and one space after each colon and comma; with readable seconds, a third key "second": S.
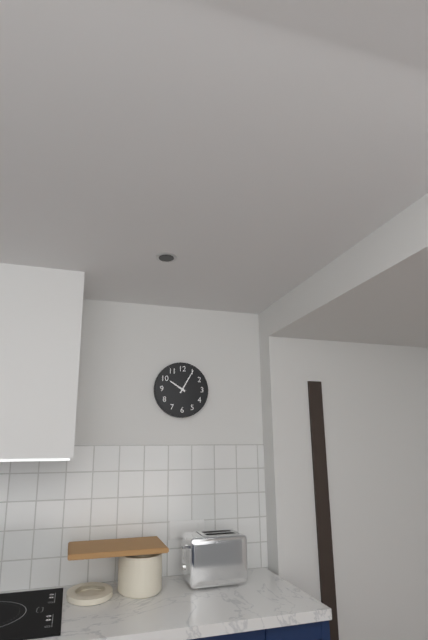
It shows {"hour": 10, "minute": 5}
